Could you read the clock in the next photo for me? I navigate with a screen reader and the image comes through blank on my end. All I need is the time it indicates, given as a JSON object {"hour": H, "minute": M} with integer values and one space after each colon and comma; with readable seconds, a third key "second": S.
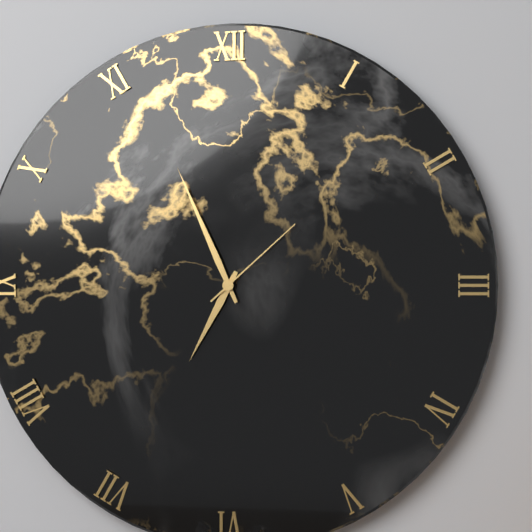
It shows {"hour": 6, "minute": 56, "second": 8}
